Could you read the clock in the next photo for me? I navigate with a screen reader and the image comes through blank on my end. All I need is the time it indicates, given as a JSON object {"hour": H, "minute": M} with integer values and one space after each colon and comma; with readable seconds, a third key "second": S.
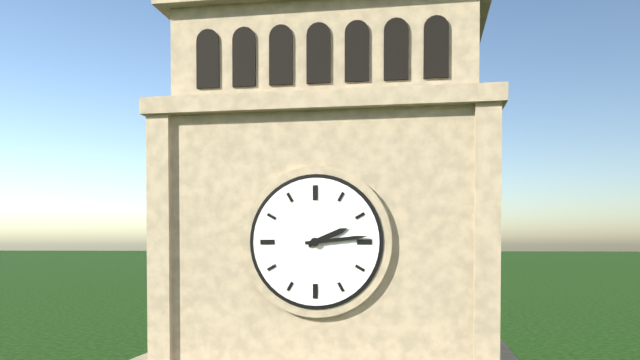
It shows {"hour": 2, "minute": 14}
